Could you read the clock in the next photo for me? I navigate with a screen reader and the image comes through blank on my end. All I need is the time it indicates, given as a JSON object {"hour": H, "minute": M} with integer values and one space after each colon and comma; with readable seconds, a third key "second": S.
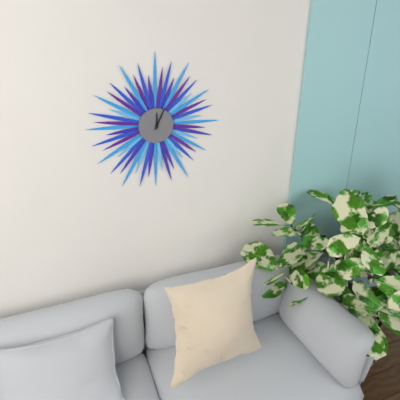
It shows {"hour": 12, "minute": 4}
